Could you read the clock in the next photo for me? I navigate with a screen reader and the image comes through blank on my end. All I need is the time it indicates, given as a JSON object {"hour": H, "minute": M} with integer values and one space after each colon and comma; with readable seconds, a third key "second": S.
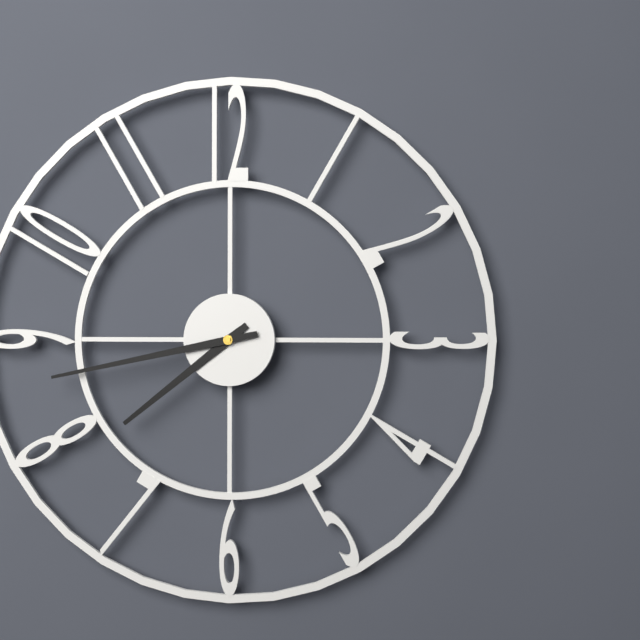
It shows {"hour": 7, "minute": 43}
